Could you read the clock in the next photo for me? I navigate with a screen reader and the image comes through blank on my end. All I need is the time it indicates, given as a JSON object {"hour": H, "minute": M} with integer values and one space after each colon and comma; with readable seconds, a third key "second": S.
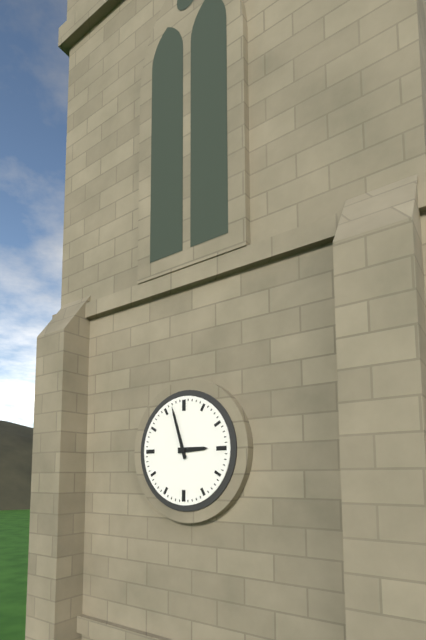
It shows {"hour": 2, "minute": 57}
